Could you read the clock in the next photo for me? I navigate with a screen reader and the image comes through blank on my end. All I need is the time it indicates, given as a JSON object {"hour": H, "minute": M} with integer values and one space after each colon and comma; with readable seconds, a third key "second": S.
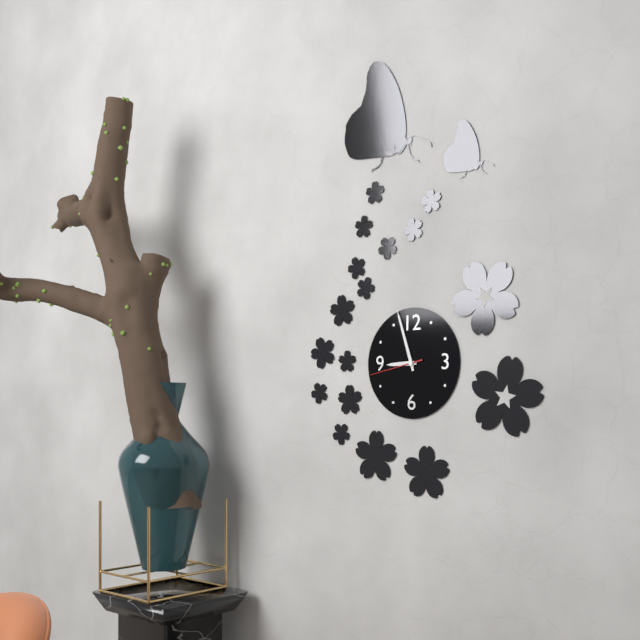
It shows {"hour": 8, "minute": 57, "second": 43}
